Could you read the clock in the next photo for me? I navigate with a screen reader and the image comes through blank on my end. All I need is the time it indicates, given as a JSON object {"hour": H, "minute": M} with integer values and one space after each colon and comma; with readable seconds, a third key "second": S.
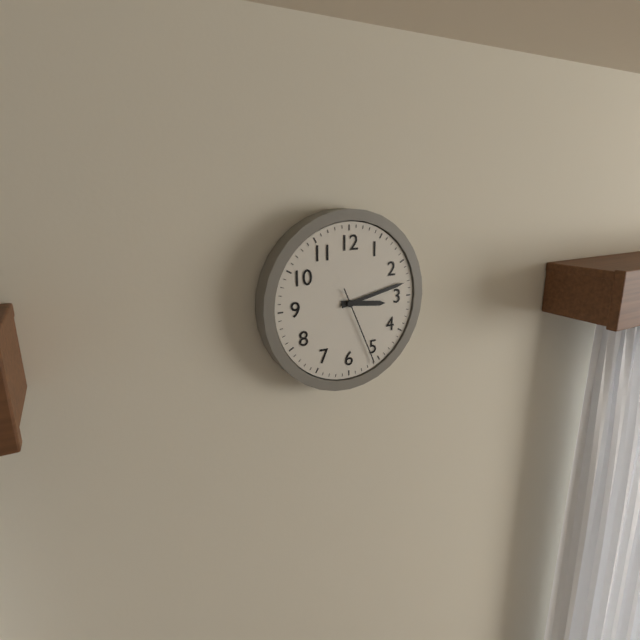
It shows {"hour": 3, "minute": 13, "second": 26}
